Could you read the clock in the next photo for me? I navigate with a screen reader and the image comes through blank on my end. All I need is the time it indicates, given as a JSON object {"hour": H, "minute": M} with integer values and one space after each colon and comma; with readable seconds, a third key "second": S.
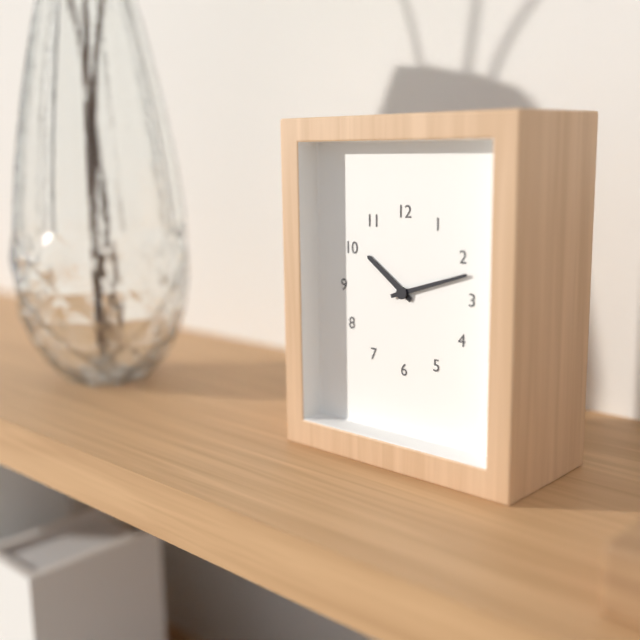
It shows {"hour": 10, "minute": 12}
